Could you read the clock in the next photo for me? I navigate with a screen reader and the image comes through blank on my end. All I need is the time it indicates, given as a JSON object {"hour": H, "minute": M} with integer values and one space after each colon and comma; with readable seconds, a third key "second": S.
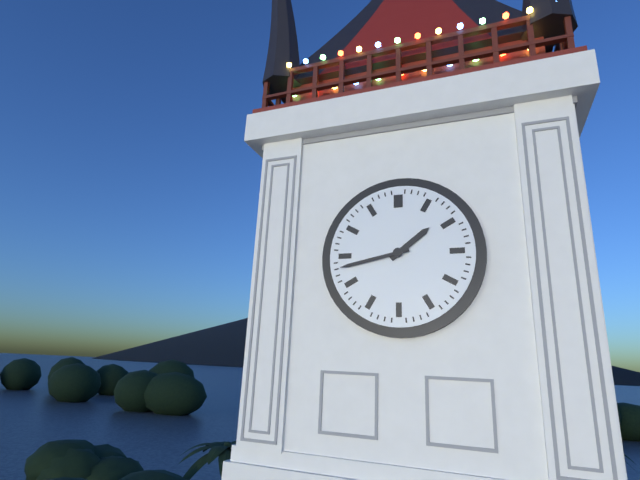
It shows {"hour": 1, "minute": 43}
